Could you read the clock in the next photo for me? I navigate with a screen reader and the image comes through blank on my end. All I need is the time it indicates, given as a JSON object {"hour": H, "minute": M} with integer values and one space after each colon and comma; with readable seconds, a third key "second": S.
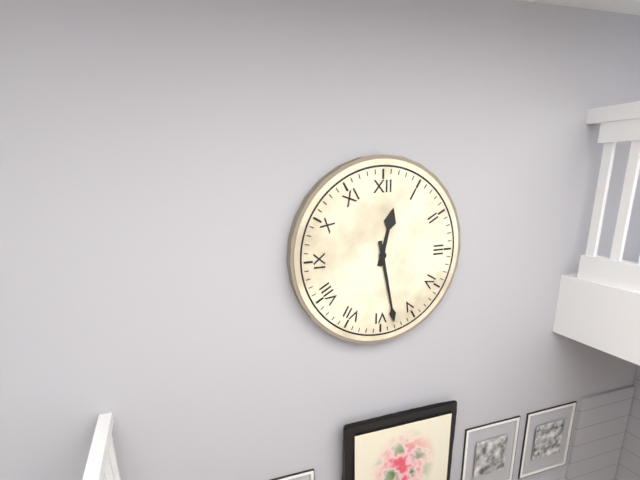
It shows {"hour": 12, "minute": 28}
